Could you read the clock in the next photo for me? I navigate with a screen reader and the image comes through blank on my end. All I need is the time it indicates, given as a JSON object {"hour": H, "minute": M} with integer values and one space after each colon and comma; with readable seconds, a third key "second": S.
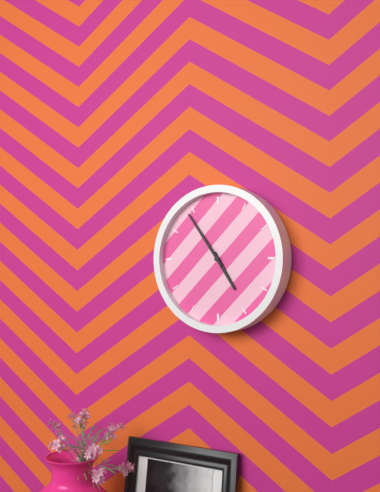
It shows {"hour": 4, "minute": 54}
